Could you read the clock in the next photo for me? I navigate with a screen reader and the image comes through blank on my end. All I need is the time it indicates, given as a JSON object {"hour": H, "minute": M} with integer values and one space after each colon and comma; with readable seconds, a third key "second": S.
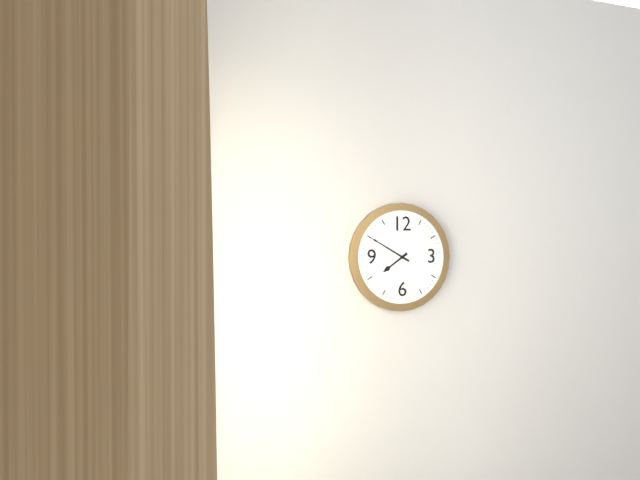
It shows {"hour": 7, "minute": 50}
